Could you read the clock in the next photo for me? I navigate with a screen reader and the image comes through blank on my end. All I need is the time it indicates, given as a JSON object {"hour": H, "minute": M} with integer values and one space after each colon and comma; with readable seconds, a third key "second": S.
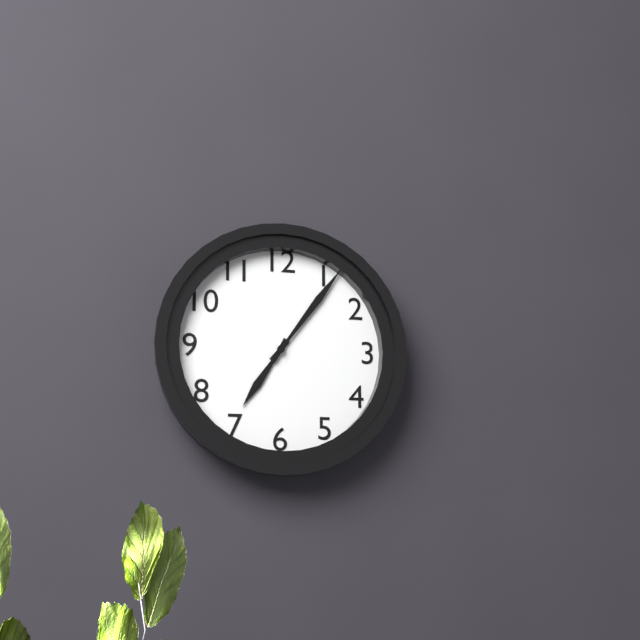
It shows {"hour": 7, "minute": 6}
